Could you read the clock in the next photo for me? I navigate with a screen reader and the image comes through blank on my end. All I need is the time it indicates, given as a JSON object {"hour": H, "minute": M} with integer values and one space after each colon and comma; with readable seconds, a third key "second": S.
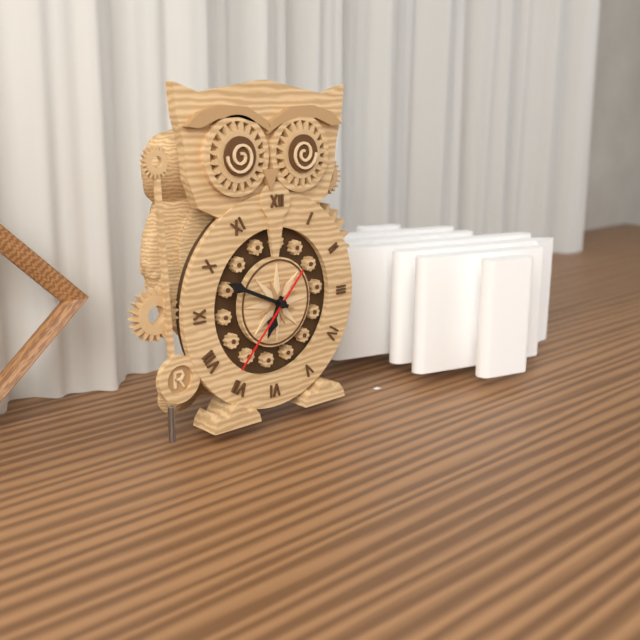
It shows {"hour": 6, "minute": 49, "second": 37}
